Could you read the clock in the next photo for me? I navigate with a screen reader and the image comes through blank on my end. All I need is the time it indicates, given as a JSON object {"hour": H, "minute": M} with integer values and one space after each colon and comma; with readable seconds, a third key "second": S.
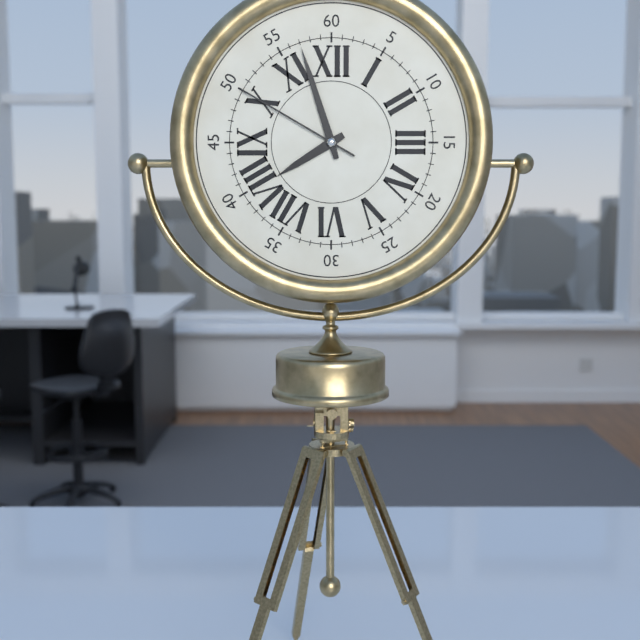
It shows {"hour": 7, "minute": 57, "second": 50}
